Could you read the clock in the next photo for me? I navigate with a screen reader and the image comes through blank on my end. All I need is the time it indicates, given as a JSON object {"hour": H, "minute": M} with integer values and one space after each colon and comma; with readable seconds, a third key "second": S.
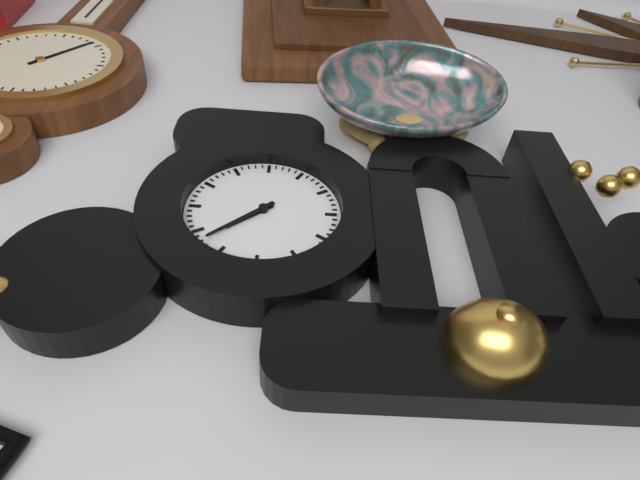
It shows {"hour": 7, "minute": 38}
